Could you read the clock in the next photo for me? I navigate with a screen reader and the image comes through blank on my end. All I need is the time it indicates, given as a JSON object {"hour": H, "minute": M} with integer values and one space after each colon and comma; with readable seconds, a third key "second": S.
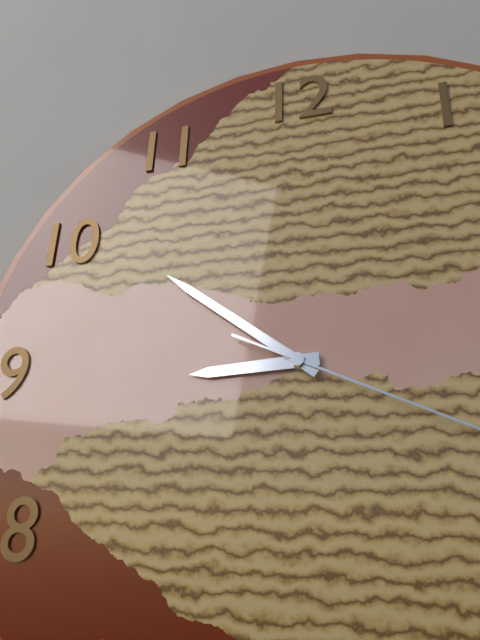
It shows {"hour": 8, "minute": 51}
